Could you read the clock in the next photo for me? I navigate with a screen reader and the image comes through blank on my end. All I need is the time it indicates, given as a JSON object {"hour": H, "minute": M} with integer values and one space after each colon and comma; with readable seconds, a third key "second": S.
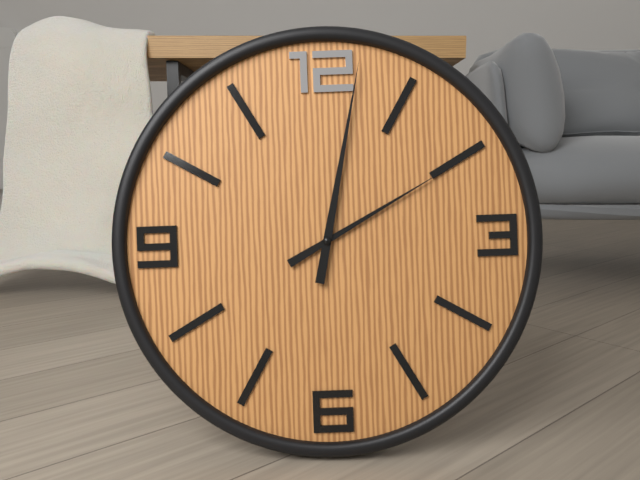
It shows {"hour": 2, "minute": 2}
